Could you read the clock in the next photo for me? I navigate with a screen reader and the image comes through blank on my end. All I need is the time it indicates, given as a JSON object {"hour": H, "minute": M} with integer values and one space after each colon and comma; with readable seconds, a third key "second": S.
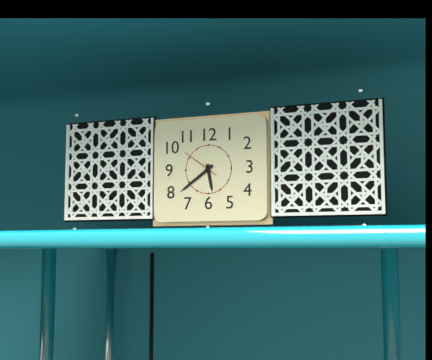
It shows {"hour": 5, "minute": 39}
